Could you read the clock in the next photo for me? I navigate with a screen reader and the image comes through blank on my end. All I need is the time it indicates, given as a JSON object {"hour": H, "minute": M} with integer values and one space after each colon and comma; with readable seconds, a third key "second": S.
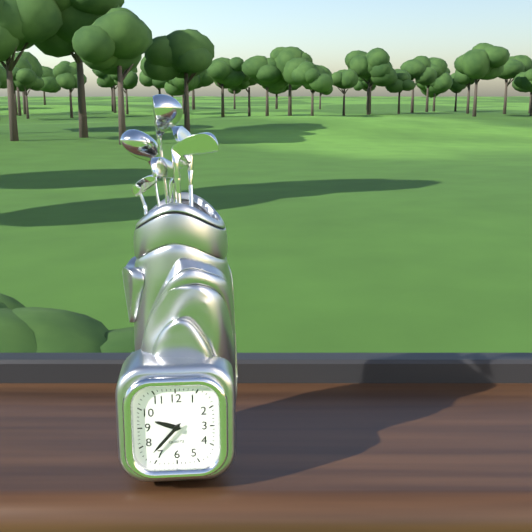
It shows {"hour": 9, "minute": 37}
